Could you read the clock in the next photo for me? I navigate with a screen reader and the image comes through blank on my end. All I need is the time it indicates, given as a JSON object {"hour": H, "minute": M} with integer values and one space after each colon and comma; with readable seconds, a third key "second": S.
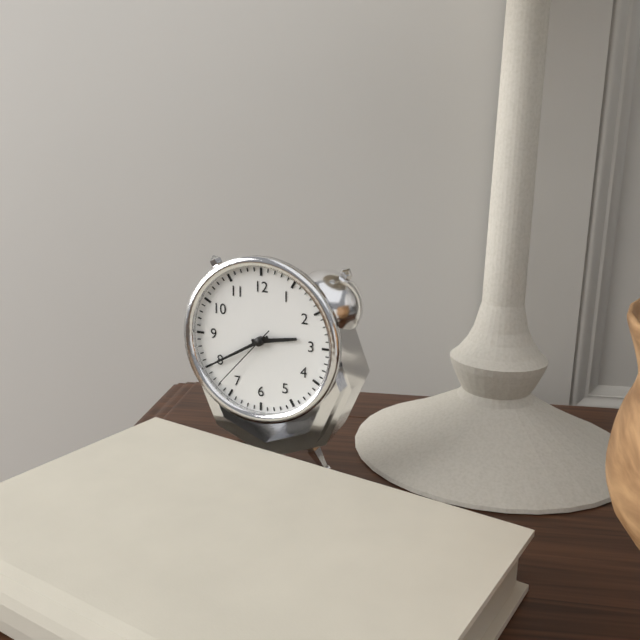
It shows {"hour": 2, "minute": 40, "second": 37}
